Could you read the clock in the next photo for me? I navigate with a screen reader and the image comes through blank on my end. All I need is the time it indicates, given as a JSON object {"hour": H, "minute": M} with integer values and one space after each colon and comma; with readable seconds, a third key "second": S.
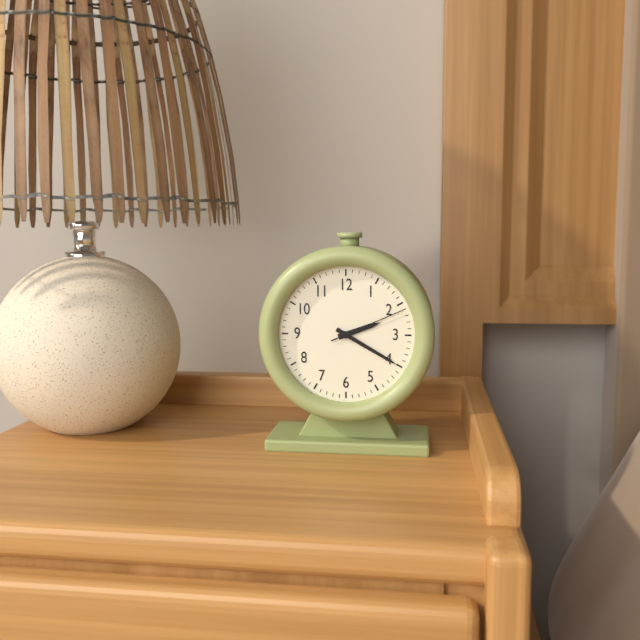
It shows {"hour": 2, "minute": 20, "second": 11}
